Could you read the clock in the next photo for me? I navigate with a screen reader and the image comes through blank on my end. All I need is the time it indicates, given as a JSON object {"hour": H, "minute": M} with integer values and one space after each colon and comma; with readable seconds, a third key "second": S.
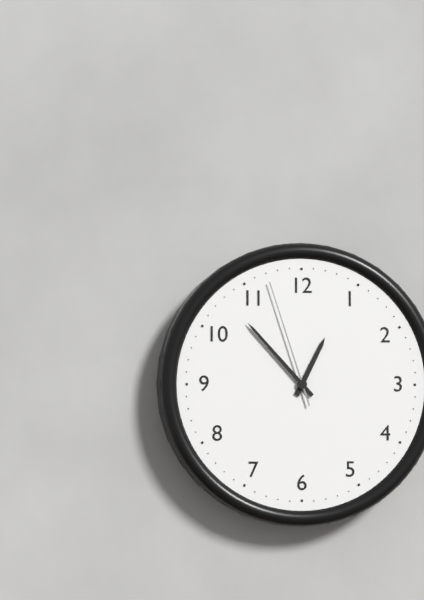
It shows {"hour": 12, "minute": 53, "second": 57}
